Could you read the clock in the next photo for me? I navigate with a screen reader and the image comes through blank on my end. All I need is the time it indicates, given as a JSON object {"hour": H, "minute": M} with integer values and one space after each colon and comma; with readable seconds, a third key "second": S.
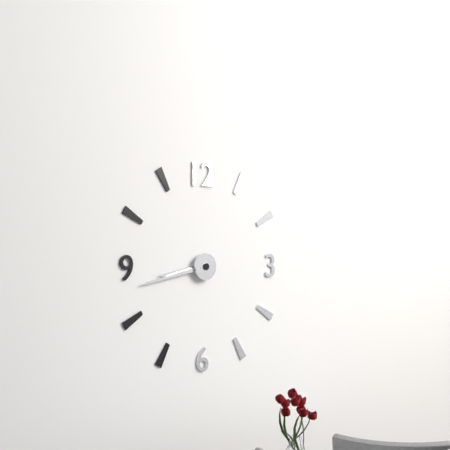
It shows {"hour": 8, "minute": 43}
